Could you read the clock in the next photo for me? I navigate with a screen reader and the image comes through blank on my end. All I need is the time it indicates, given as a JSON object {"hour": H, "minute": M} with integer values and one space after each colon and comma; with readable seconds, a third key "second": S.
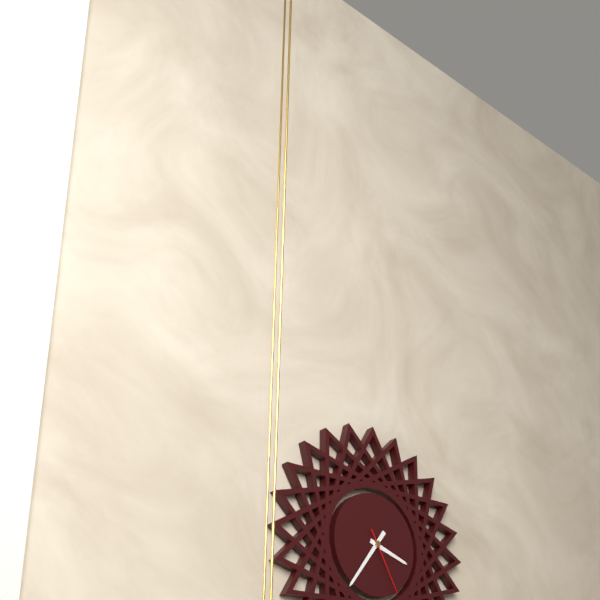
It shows {"hour": 3, "minute": 36, "second": 25}
